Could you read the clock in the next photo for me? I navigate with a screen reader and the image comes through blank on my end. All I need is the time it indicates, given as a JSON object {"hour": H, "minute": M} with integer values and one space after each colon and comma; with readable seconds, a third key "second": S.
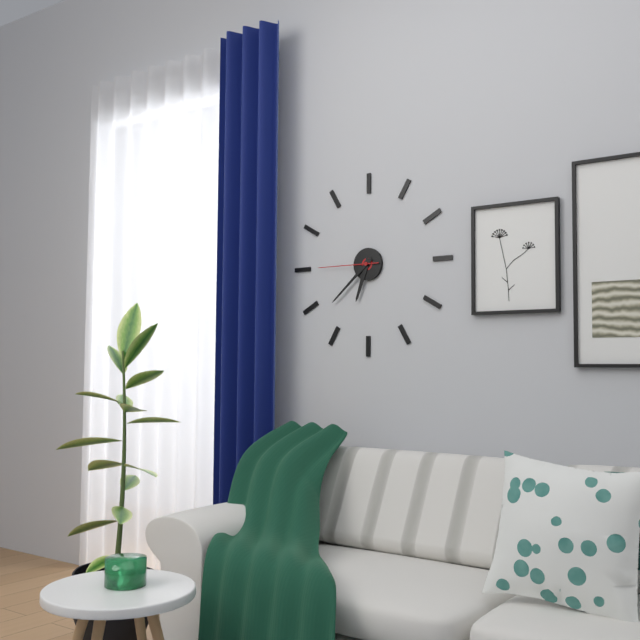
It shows {"hour": 6, "minute": 38, "second": 45}
